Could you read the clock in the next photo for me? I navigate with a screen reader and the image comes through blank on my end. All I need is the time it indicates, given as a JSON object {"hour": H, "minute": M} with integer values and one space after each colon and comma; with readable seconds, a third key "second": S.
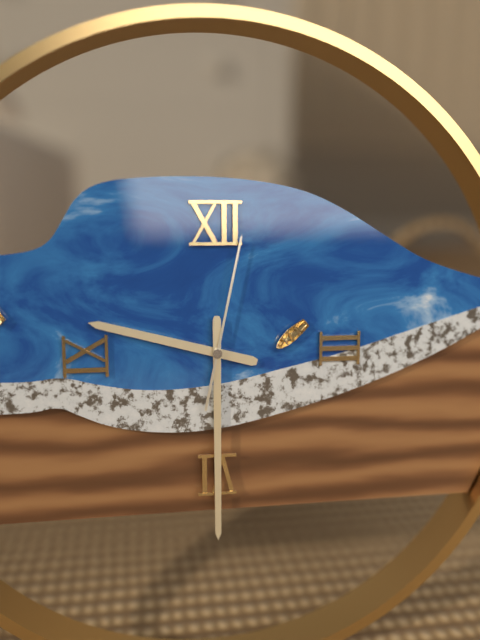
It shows {"hour": 9, "minute": 30, "second": 2}
